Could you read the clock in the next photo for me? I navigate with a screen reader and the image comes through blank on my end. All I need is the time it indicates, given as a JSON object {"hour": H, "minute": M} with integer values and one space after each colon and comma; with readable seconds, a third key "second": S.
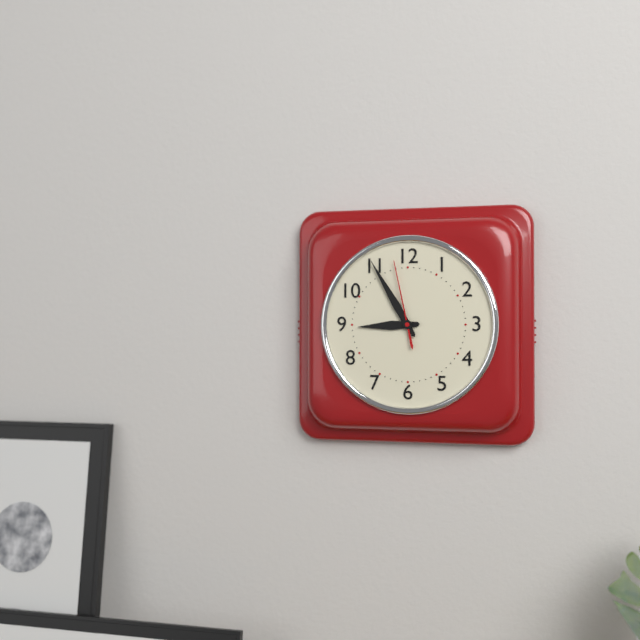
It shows {"hour": 8, "minute": 55, "second": 58}
